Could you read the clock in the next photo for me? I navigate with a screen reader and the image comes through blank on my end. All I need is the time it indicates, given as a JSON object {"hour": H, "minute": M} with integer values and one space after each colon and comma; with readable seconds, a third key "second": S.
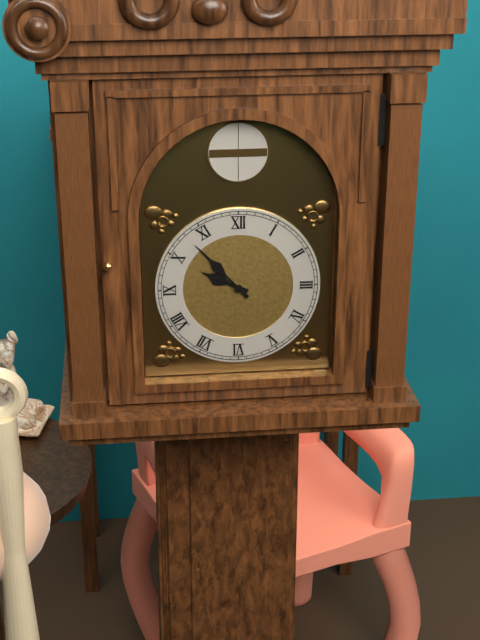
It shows {"hour": 9, "minute": 53}
